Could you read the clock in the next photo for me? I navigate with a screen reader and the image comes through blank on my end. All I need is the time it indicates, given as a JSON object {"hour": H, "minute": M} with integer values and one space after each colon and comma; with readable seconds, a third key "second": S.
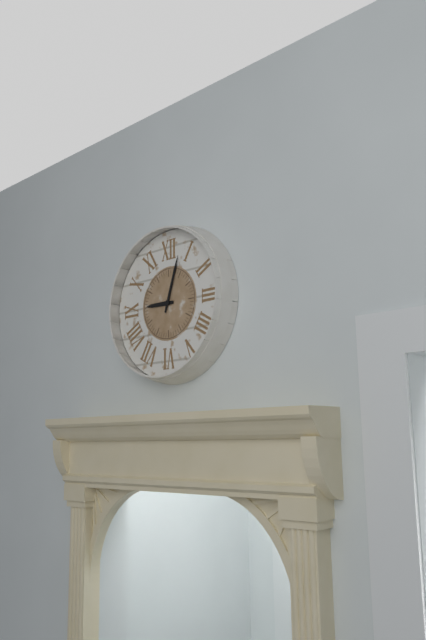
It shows {"hour": 9, "minute": 3}
